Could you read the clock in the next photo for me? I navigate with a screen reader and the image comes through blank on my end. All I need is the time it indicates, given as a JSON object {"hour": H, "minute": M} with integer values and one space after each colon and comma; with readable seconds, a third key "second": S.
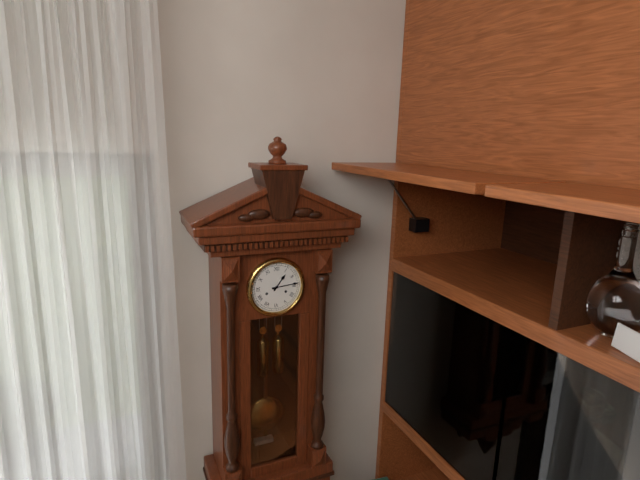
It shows {"hour": 1, "minute": 14}
